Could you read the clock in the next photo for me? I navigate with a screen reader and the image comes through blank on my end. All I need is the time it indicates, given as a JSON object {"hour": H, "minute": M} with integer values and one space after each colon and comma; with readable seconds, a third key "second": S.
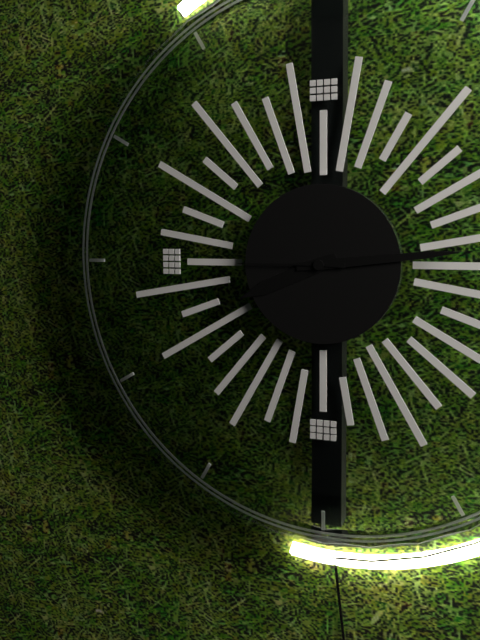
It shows {"hour": 8, "minute": 14, "second": 45}
